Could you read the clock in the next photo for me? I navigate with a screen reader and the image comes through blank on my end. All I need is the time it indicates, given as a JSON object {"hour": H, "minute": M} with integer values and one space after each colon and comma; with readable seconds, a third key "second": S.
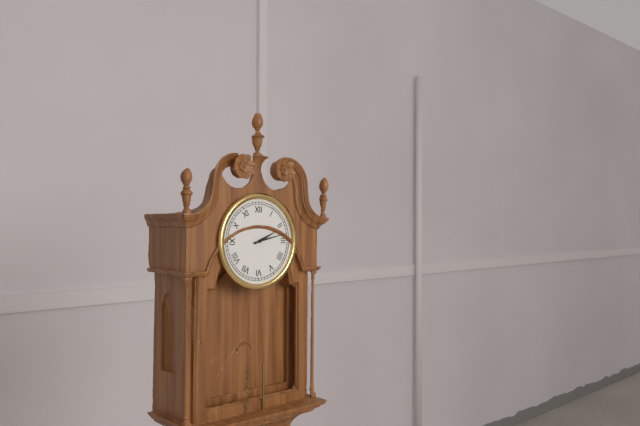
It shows {"hour": 2, "minute": 13}
